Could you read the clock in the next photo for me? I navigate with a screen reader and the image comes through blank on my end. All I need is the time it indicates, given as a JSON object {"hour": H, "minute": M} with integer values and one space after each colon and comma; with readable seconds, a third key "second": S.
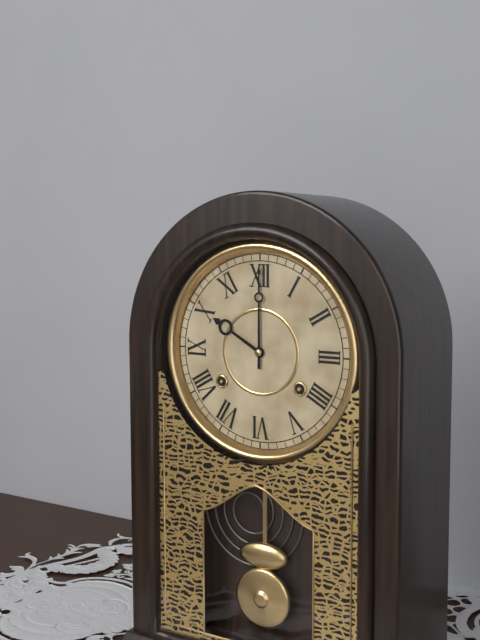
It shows {"hour": 10, "minute": 0}
